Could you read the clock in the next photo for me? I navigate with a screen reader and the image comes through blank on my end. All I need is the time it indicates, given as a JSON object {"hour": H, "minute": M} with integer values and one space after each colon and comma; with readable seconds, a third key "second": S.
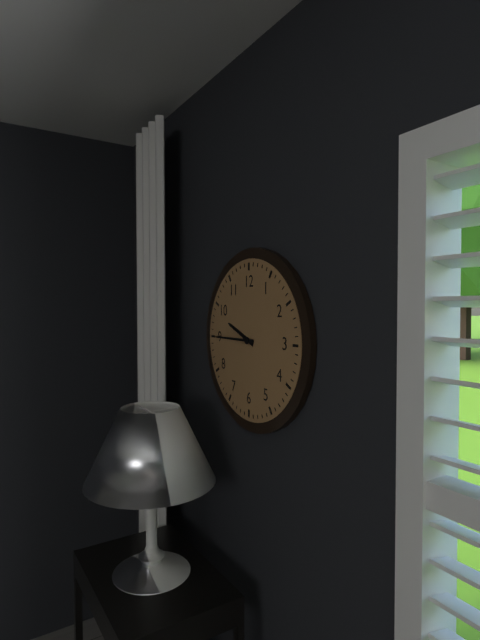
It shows {"hour": 9, "minute": 45}
